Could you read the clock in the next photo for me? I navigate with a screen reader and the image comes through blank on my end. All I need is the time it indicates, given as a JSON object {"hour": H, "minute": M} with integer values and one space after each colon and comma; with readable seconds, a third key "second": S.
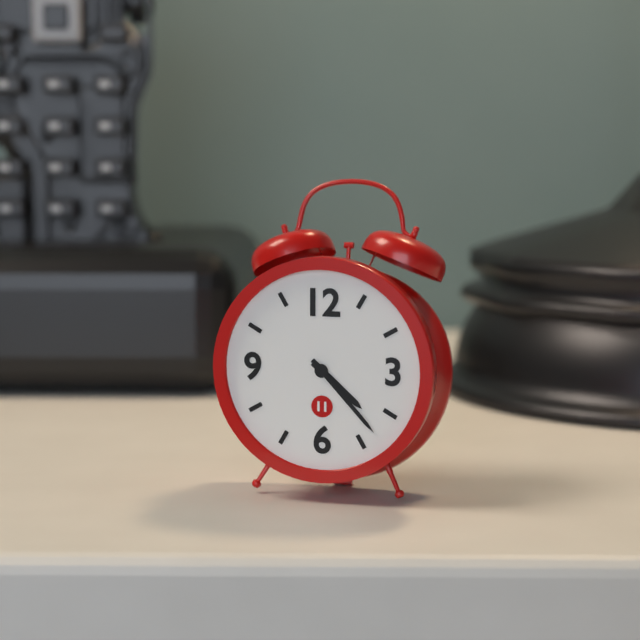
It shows {"hour": 4, "minute": 23}
